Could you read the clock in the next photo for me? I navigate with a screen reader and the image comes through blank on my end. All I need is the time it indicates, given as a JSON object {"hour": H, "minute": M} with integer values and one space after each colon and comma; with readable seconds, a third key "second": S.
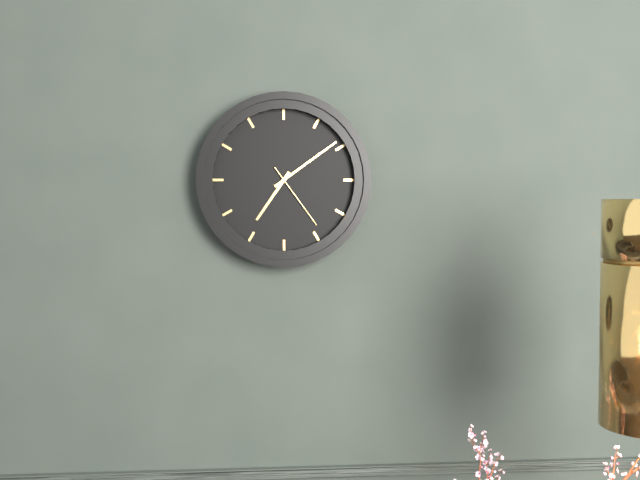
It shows {"hour": 7, "minute": 9, "second": 24}
